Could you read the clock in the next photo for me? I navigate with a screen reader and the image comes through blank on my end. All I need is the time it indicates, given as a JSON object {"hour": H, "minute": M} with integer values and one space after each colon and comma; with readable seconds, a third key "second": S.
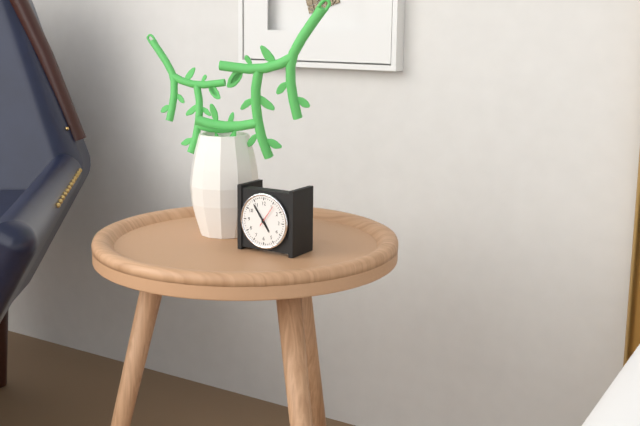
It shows {"hour": 4, "minute": 54}
